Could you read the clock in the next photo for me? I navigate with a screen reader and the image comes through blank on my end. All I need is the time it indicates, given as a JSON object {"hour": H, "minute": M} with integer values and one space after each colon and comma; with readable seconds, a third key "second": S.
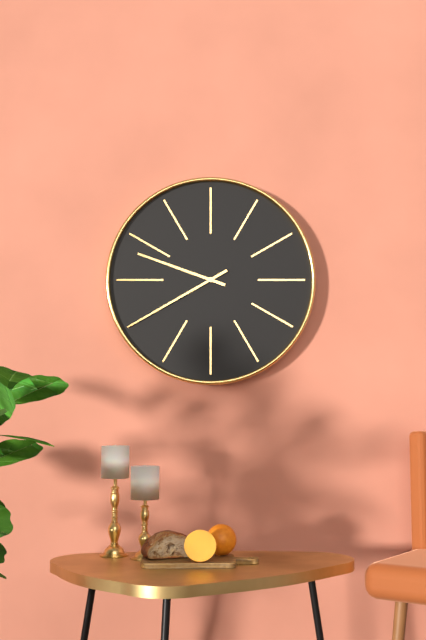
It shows {"hour": 9, "minute": 40}
